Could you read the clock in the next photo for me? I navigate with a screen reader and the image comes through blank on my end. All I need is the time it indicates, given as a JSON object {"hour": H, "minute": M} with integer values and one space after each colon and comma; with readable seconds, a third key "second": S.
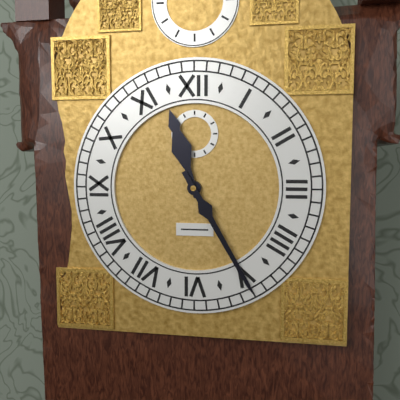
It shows {"hour": 11, "minute": 25}
